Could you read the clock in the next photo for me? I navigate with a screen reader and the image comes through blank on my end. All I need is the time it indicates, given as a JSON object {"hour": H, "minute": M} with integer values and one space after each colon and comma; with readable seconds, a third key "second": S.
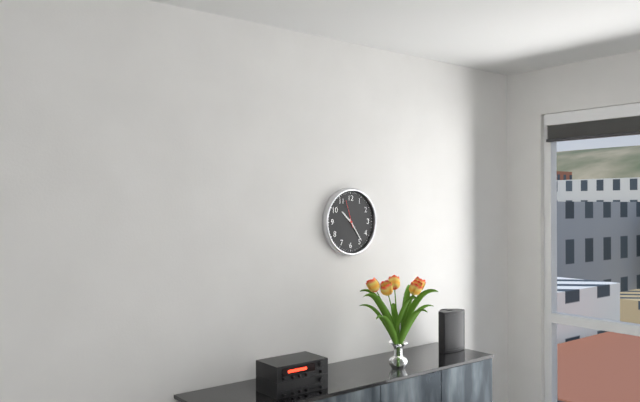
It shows {"hour": 10, "minute": 24}
